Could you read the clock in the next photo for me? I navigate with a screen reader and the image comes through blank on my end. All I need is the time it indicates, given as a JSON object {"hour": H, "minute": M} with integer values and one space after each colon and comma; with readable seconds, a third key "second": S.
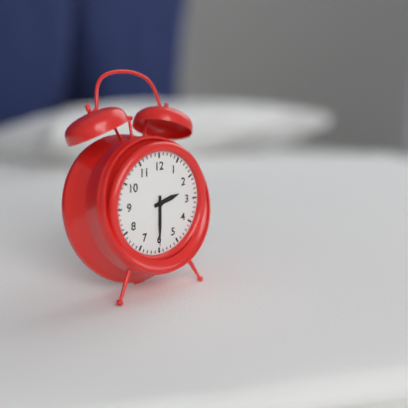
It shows {"hour": 2, "minute": 30}
